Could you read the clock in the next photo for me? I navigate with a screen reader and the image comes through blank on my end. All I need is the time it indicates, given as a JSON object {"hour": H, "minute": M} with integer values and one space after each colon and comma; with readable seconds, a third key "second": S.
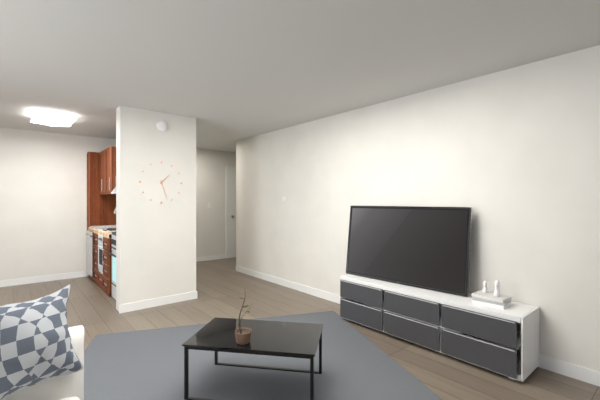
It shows {"hour": 1, "minute": 27}
